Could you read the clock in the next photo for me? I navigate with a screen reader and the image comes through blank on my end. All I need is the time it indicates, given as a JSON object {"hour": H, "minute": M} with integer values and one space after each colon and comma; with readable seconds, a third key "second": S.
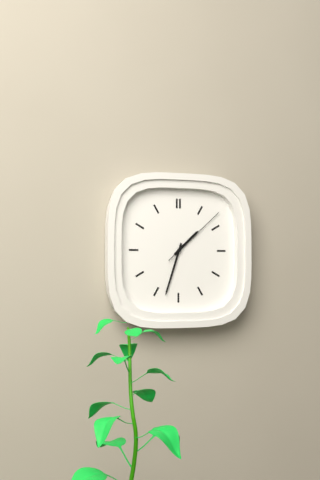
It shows {"hour": 1, "minute": 33, "second": 8}
